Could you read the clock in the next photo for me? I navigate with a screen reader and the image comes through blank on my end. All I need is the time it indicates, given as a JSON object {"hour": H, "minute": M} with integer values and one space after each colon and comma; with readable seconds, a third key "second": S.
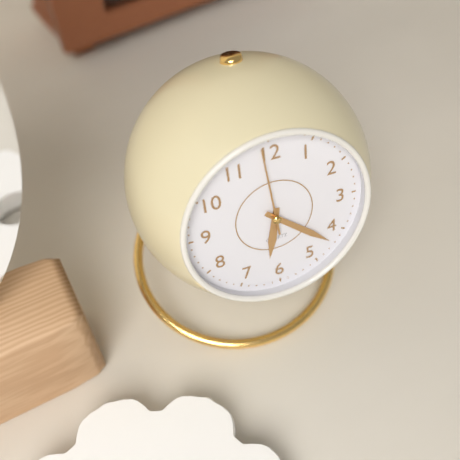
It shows {"hour": 6, "minute": 22, "second": 59}
